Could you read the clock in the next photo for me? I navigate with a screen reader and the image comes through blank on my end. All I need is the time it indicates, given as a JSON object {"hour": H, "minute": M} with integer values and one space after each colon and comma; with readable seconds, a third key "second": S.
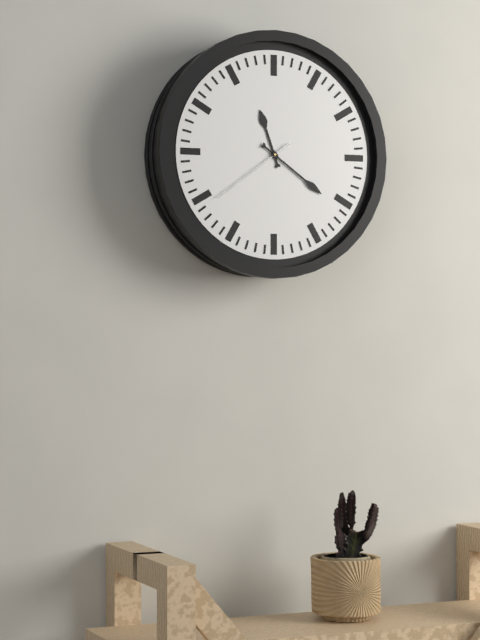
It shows {"hour": 11, "minute": 21, "second": 39}
